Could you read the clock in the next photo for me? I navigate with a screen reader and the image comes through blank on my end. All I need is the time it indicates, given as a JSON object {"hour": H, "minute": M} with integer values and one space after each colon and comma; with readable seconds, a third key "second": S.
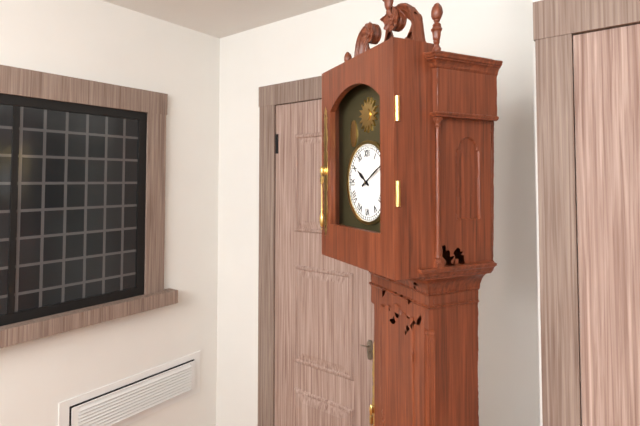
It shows {"hour": 10, "minute": 10}
